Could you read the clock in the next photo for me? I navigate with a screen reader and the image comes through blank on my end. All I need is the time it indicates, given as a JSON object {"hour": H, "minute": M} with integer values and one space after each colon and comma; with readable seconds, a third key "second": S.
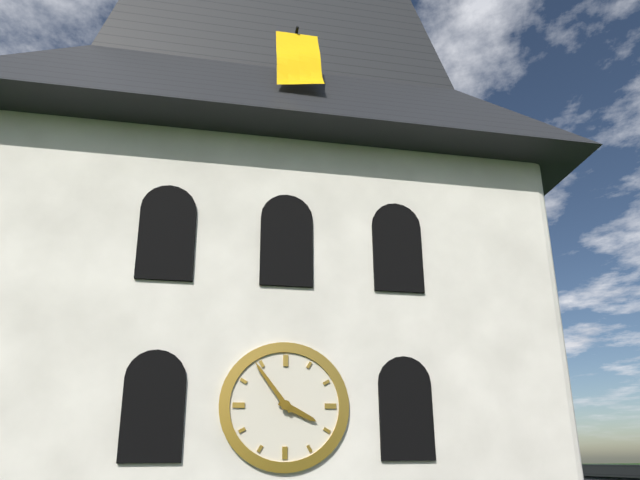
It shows {"hour": 3, "minute": 54}
